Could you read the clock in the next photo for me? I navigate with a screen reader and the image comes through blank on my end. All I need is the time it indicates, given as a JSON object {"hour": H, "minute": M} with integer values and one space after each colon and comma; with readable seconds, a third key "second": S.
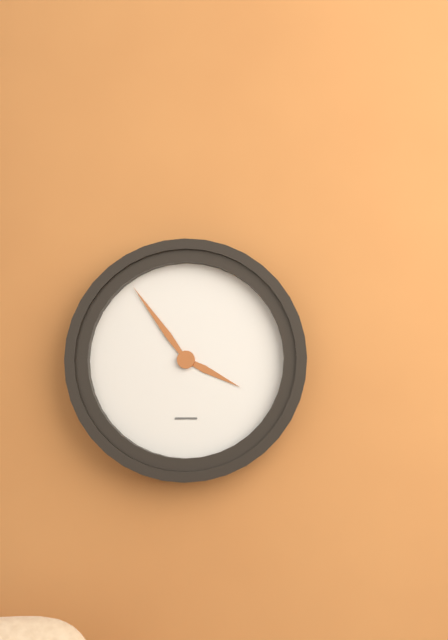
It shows {"hour": 3, "minute": 54}
